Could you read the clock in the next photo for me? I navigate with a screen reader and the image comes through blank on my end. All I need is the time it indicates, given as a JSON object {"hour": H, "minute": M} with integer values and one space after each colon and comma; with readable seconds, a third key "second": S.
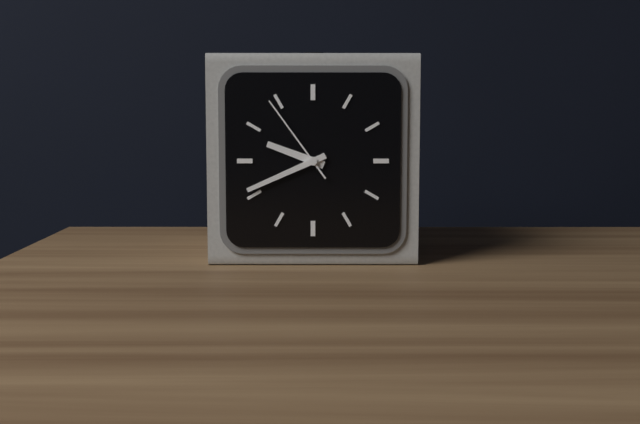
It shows {"hour": 9, "minute": 41, "second": 54}
